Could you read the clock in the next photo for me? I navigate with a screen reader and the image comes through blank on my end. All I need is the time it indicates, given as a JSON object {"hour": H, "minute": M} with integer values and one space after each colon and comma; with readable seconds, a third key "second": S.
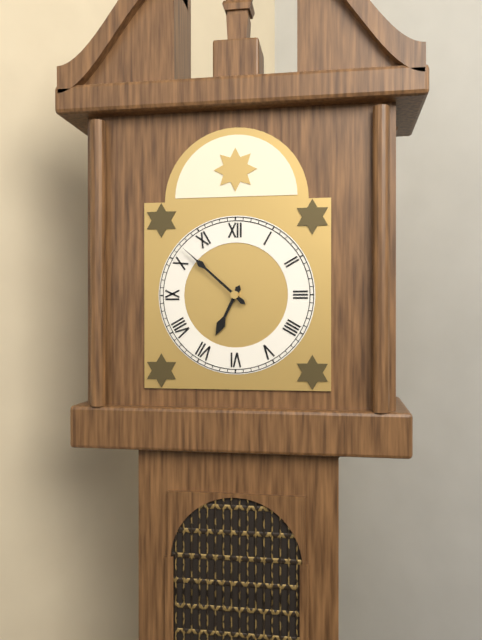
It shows {"hour": 6, "minute": 52}
